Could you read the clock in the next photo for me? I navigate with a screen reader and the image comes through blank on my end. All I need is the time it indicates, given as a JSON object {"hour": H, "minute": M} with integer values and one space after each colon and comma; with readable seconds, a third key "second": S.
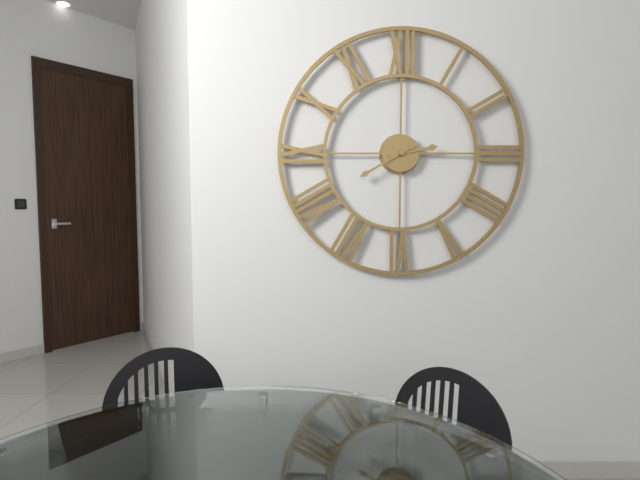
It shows {"hour": 2, "minute": 40}
